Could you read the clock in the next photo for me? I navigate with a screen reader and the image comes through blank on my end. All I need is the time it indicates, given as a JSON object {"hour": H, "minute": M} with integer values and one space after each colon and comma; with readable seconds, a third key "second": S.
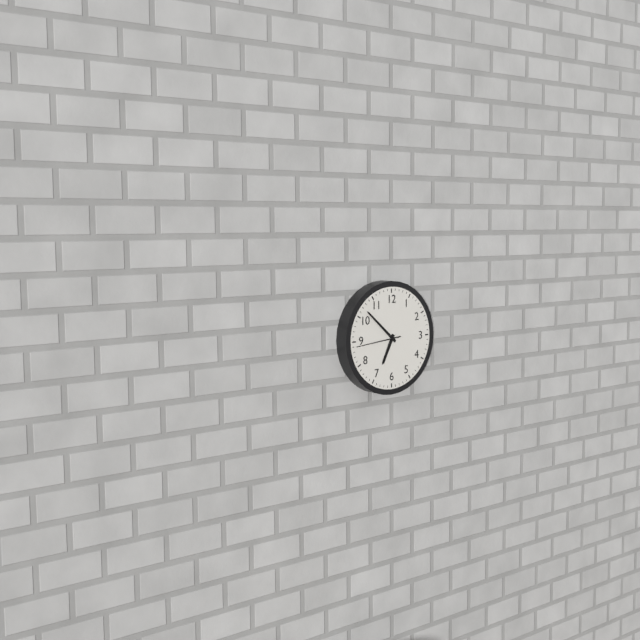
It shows {"hour": 6, "minute": 52}
